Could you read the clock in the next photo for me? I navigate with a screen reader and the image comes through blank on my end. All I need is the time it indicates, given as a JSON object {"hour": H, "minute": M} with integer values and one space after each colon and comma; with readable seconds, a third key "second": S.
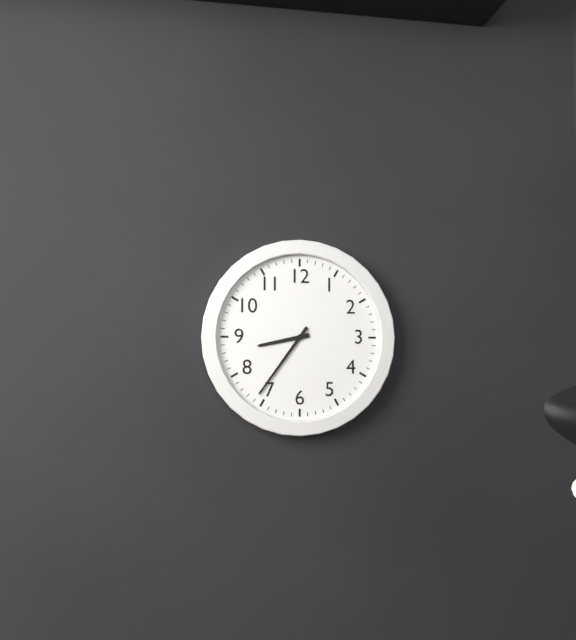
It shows {"hour": 8, "minute": 36}
